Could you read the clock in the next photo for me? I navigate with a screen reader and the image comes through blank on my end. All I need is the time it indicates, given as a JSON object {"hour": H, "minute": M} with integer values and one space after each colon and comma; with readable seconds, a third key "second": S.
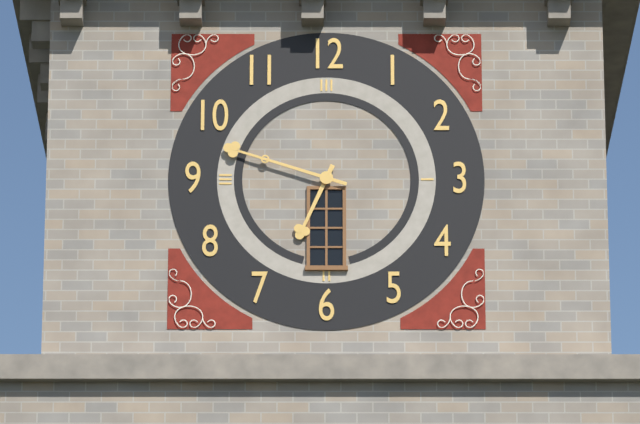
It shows {"hour": 6, "minute": 48}
